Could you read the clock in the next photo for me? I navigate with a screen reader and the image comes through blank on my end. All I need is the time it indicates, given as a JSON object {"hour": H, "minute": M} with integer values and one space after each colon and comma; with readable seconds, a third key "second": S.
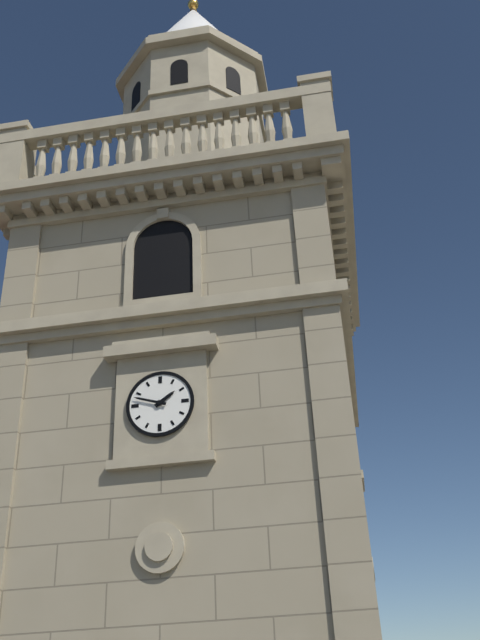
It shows {"hour": 1, "minute": 48}
